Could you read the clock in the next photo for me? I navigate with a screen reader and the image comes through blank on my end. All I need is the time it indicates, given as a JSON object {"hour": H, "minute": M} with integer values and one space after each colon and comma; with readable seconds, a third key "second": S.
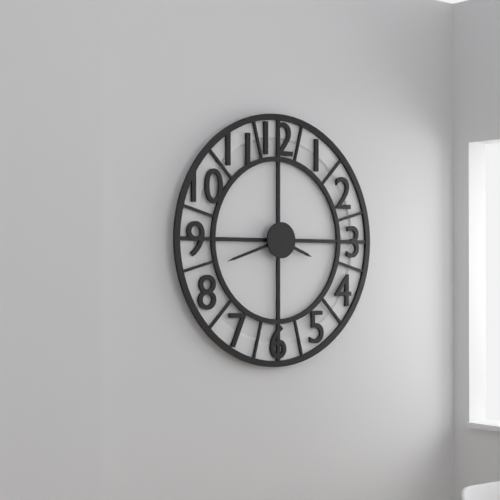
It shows {"hour": 3, "minute": 42}
